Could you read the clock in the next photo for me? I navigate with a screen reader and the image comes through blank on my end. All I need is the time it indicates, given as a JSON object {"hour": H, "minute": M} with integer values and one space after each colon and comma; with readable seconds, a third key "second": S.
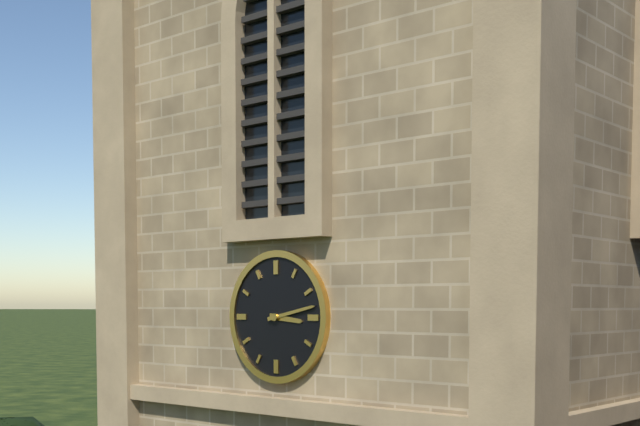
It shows {"hour": 3, "minute": 13}
